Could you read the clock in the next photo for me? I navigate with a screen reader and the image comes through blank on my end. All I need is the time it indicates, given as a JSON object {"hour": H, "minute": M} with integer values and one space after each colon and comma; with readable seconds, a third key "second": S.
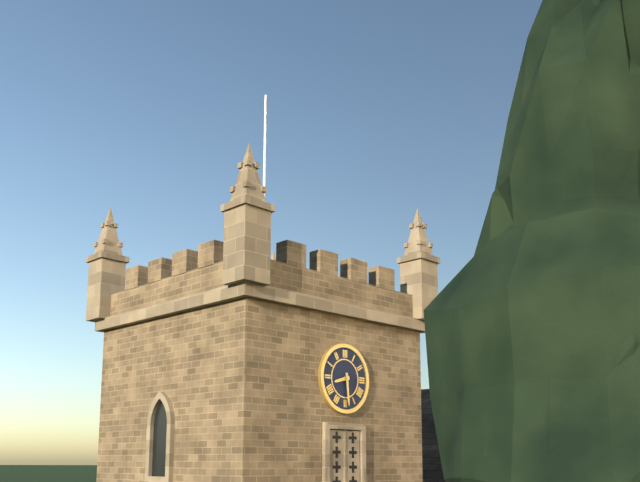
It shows {"hour": 8, "minute": 29}
